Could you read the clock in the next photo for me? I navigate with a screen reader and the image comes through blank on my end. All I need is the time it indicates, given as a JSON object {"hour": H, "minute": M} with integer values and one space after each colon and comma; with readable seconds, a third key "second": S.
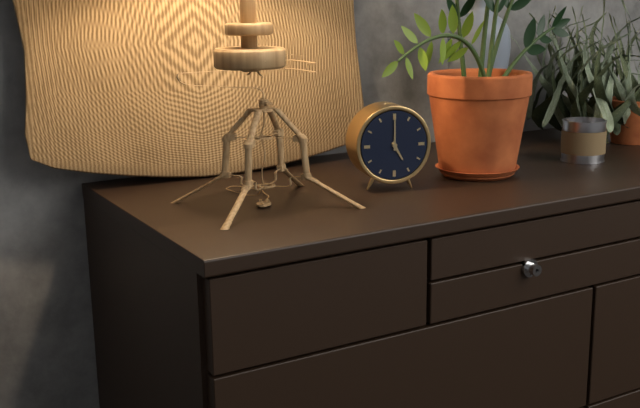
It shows {"hour": 5, "minute": 0}
